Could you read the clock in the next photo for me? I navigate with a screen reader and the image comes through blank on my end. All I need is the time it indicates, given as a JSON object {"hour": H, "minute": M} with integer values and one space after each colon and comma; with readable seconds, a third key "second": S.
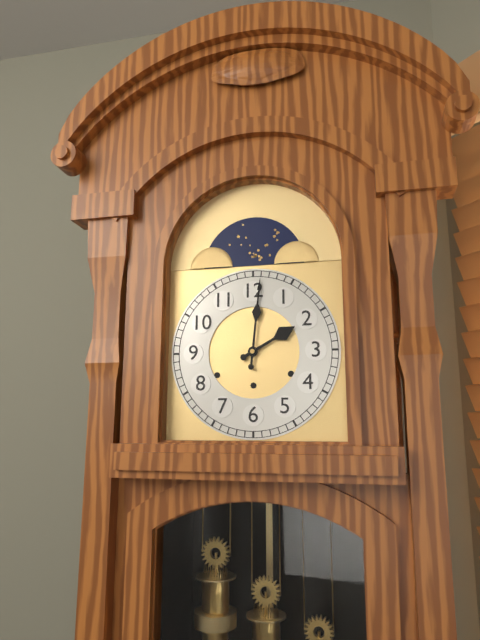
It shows {"hour": 2, "minute": 1}
